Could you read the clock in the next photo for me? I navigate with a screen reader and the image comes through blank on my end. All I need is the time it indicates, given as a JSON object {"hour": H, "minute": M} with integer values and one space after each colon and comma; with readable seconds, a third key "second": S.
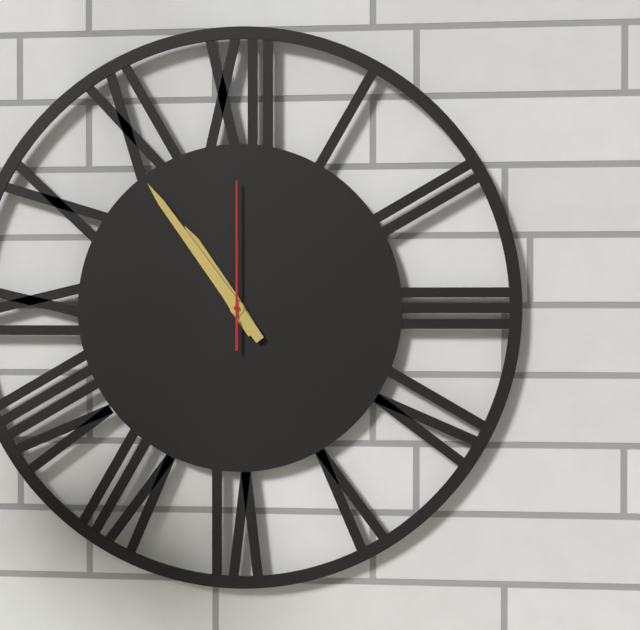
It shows {"hour": 10, "minute": 54, "second": 0}
